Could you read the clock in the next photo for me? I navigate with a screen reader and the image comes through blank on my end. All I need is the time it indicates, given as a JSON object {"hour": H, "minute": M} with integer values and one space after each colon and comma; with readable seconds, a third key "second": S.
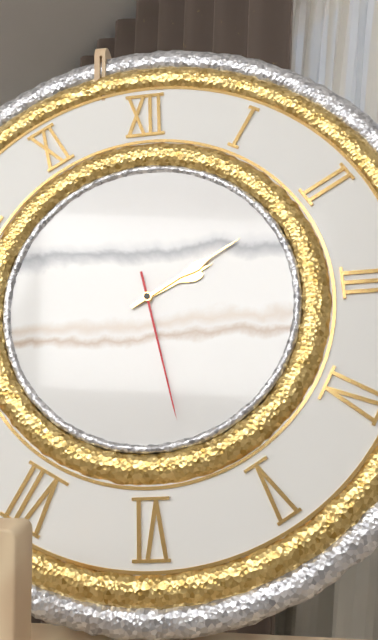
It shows {"hour": 2, "minute": 10, "second": 28}
